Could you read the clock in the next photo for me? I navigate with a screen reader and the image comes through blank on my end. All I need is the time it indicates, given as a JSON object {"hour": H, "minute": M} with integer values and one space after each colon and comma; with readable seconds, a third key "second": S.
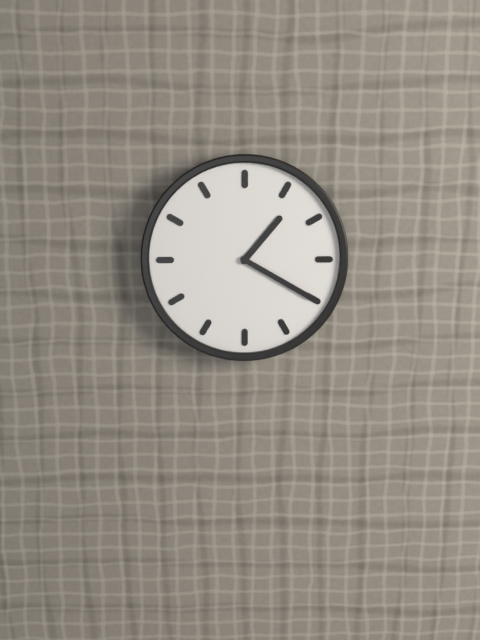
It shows {"hour": 1, "minute": 20}
